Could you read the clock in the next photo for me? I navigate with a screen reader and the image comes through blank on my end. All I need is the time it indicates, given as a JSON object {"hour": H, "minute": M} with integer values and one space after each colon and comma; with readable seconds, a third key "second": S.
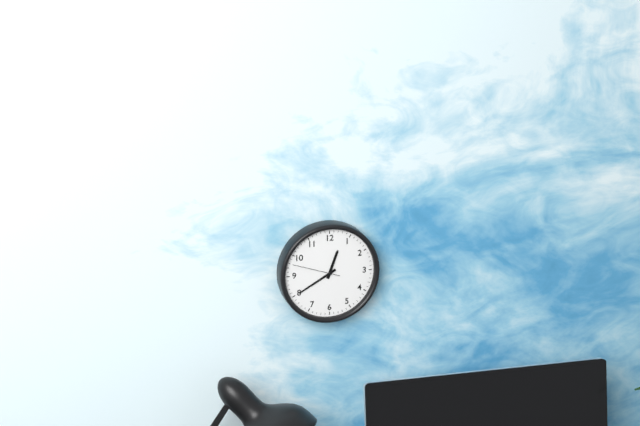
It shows {"hour": 12, "minute": 40}
